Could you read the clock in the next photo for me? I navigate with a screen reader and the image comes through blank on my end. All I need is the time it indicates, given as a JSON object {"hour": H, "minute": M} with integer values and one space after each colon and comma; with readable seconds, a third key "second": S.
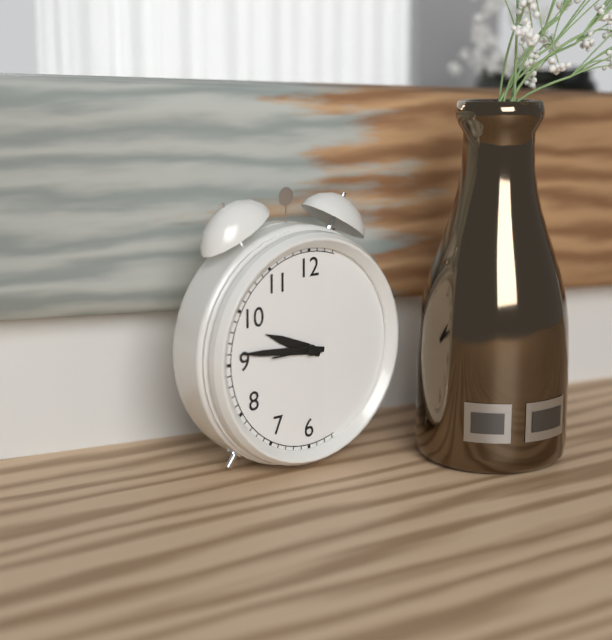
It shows {"hour": 9, "minute": 46}
